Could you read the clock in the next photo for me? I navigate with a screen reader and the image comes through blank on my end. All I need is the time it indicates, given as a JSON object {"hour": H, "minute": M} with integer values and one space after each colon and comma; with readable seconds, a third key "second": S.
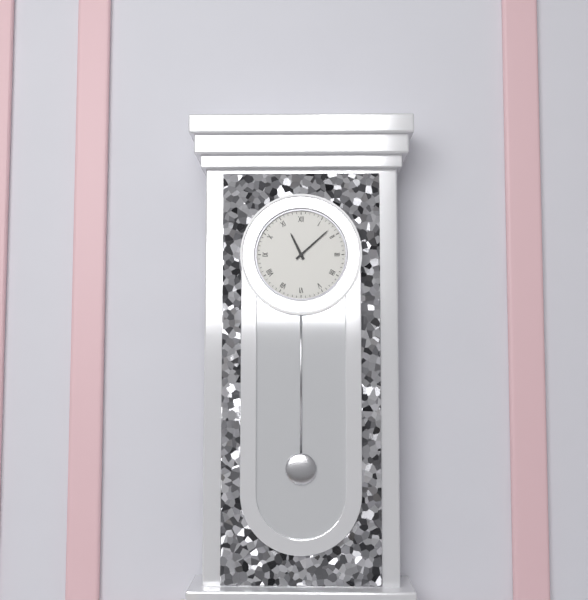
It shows {"hour": 11, "minute": 8}
